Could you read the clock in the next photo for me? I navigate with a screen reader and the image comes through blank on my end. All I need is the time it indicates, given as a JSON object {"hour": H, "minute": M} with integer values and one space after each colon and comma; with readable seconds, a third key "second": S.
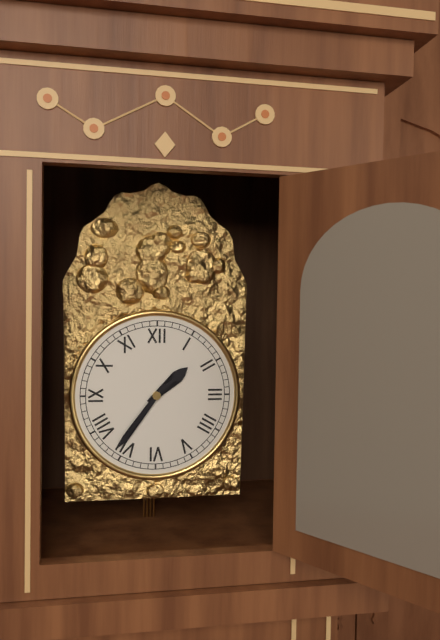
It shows {"hour": 1, "minute": 36}
